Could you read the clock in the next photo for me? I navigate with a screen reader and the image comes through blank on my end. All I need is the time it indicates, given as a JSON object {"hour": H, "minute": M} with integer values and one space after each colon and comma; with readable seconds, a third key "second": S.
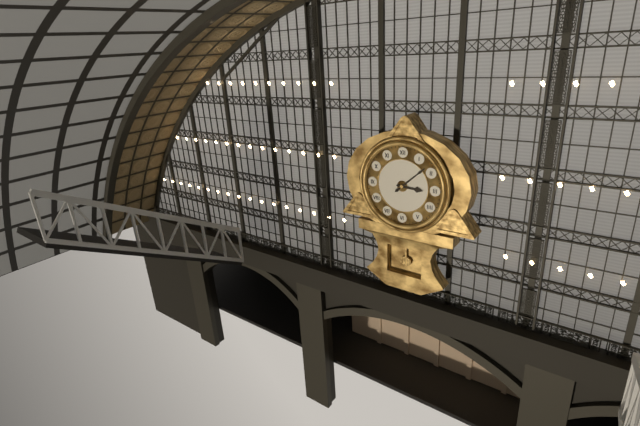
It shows {"hour": 3, "minute": 8}
